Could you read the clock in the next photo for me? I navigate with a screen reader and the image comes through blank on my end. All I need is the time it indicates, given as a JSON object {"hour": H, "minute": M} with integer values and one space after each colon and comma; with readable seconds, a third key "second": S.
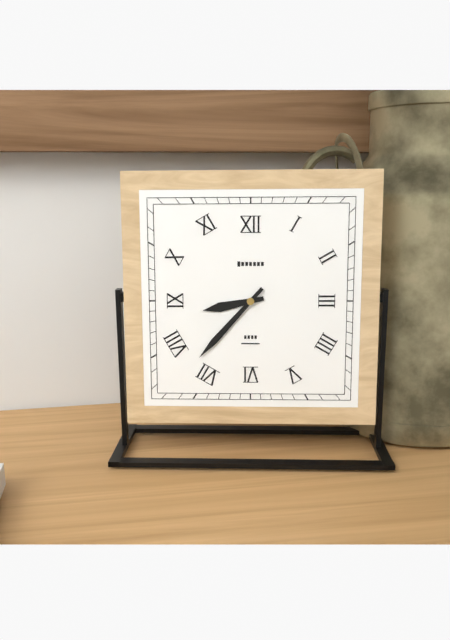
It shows {"hour": 8, "minute": 37}
